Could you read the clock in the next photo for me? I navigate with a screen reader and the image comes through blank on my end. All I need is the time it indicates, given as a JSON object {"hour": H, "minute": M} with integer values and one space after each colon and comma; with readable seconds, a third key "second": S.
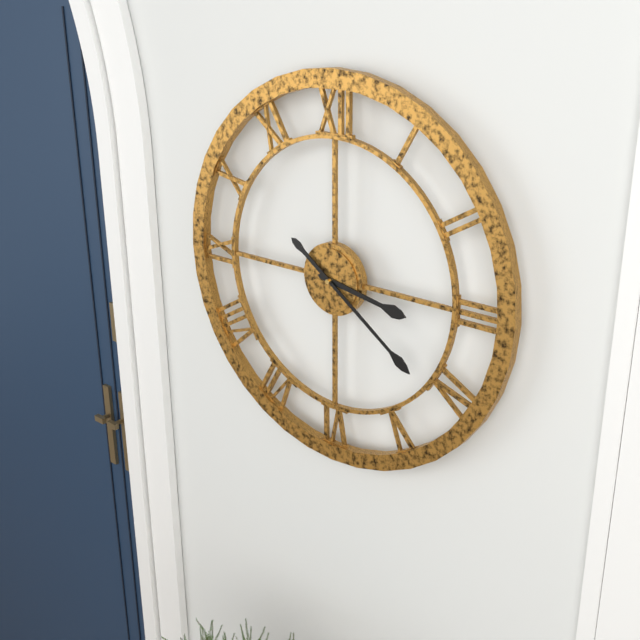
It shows {"hour": 3, "minute": 21}
